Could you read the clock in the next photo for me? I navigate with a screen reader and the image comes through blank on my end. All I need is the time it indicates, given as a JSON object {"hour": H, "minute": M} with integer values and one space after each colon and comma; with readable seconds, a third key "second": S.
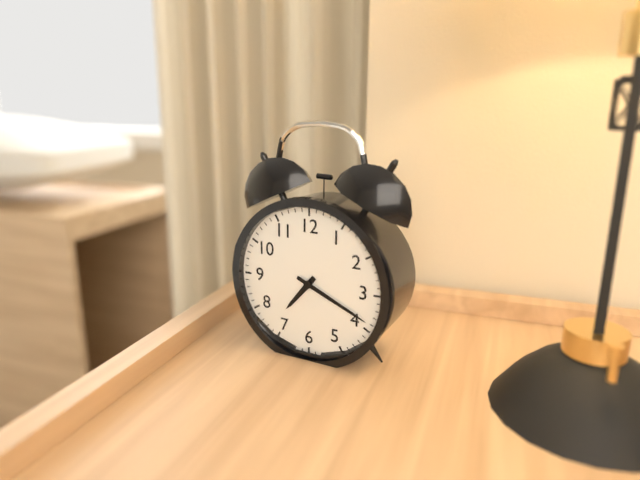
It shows {"hour": 7, "minute": 19}
